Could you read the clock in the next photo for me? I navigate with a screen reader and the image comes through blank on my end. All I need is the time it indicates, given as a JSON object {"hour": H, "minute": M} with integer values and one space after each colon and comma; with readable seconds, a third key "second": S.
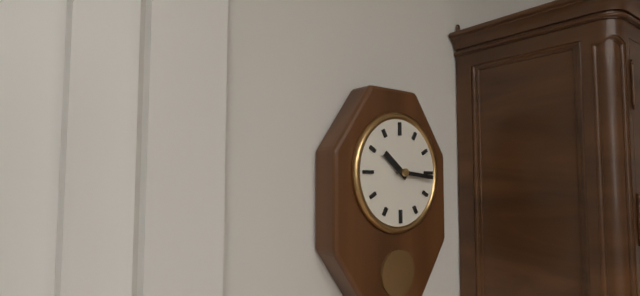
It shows {"hour": 10, "minute": 16}
